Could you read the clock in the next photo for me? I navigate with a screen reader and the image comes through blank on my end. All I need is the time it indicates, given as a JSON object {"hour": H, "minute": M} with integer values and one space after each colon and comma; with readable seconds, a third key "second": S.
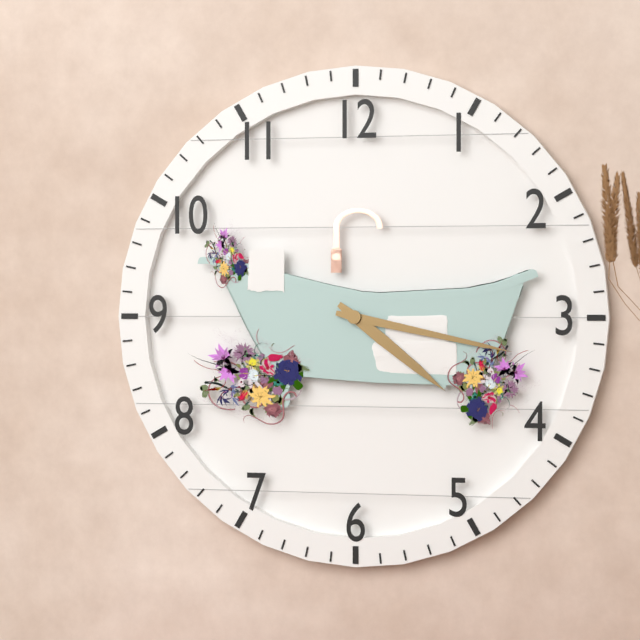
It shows {"hour": 4, "minute": 17}
